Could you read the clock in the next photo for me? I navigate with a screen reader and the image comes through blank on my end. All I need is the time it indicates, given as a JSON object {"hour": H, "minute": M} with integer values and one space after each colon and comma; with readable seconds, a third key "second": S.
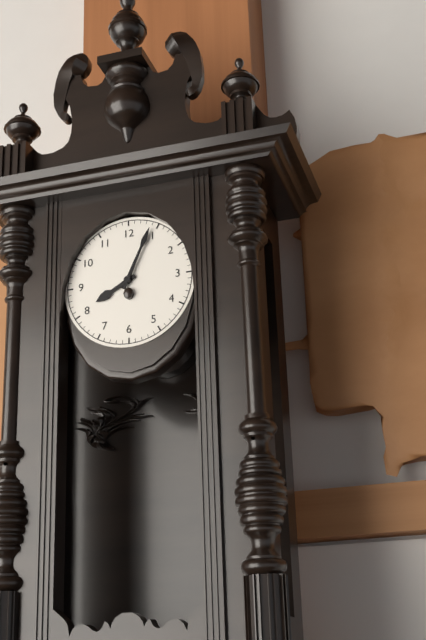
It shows {"hour": 8, "minute": 4}
